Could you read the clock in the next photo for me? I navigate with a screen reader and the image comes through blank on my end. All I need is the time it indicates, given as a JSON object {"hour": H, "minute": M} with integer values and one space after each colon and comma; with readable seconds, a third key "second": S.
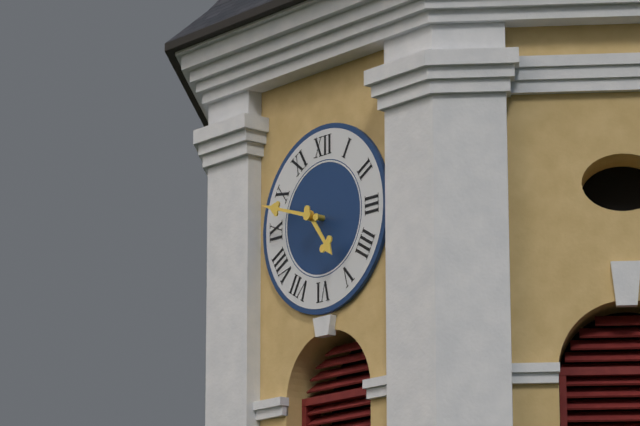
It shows {"hour": 4, "minute": 48}
